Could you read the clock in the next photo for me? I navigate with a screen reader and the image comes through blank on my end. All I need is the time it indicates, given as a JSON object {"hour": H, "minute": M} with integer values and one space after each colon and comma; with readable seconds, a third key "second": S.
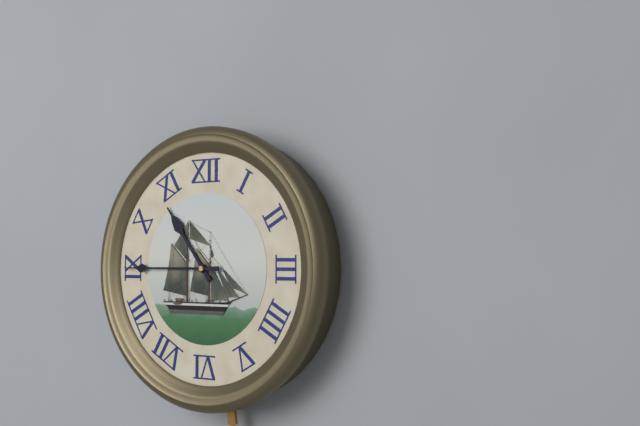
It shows {"hour": 10, "minute": 45}
